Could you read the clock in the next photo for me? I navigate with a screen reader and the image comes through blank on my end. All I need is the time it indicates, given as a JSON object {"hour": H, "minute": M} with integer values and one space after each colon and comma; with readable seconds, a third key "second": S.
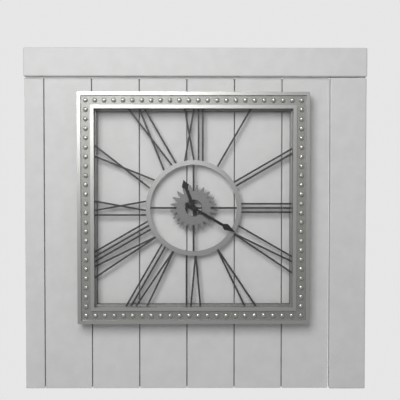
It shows {"hour": 11, "minute": 20}
